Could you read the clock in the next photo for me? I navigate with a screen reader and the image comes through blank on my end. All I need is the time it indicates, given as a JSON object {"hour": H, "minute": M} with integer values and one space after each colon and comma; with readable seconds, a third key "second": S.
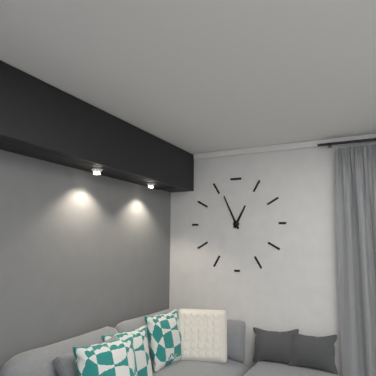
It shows {"hour": 12, "minute": 56}
